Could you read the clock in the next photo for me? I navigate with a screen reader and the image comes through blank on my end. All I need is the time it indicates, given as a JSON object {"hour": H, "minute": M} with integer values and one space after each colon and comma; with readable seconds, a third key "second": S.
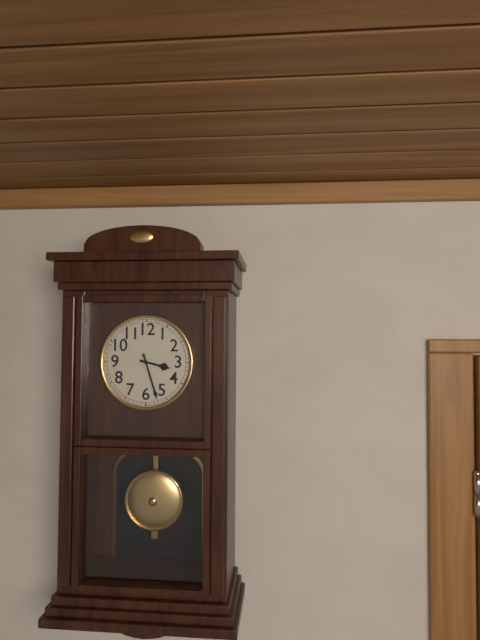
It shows {"hour": 3, "minute": 27}
